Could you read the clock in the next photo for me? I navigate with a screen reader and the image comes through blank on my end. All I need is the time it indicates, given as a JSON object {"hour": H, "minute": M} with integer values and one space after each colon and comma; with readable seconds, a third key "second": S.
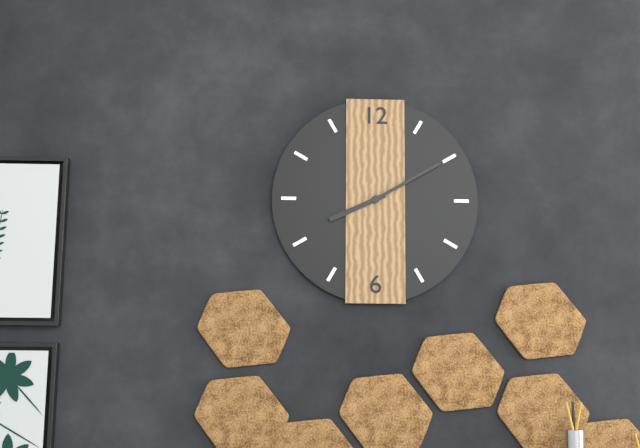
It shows {"hour": 8, "minute": 10}
